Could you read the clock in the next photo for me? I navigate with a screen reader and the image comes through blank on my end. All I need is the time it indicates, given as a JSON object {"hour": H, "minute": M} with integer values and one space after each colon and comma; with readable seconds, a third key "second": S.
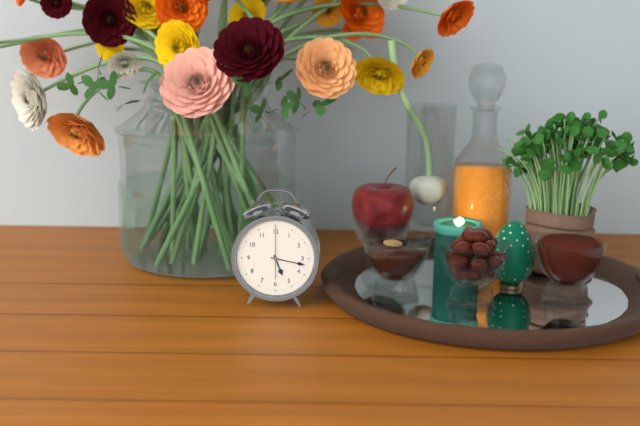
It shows {"hour": 5, "minute": 17}
